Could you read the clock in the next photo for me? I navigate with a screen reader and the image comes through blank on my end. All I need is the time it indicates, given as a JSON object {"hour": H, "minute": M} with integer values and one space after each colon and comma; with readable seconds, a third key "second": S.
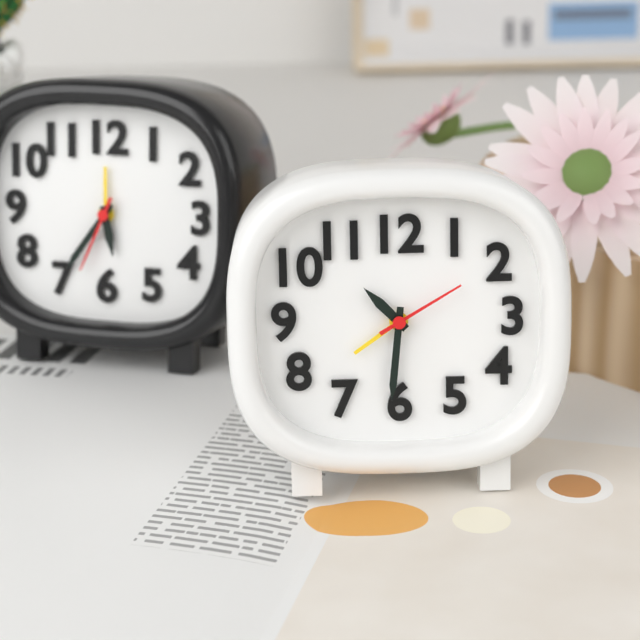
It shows {"hour": 10, "minute": 31, "second": 10}
